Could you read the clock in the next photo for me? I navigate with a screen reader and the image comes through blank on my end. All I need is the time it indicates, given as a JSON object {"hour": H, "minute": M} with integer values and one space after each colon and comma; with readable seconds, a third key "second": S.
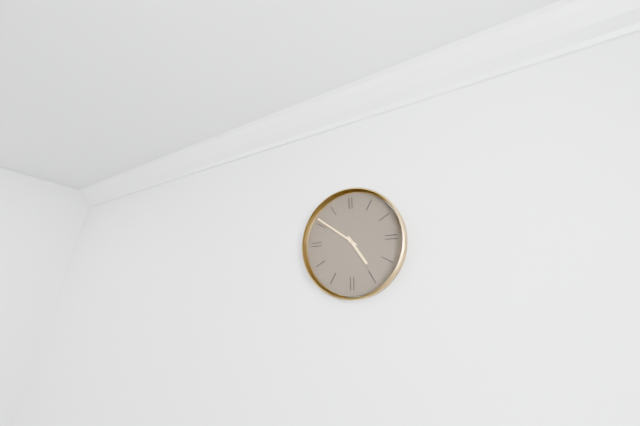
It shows {"hour": 4, "minute": 51}
